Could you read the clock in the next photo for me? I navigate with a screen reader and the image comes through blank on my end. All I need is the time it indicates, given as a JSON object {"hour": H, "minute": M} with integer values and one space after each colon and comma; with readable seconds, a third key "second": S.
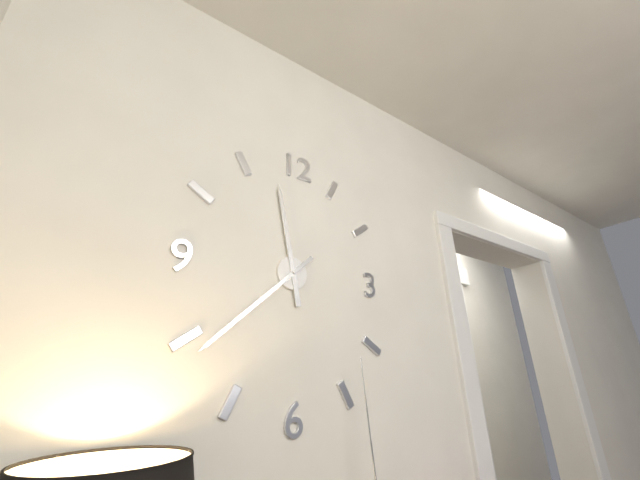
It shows {"hour": 11, "minute": 38}
